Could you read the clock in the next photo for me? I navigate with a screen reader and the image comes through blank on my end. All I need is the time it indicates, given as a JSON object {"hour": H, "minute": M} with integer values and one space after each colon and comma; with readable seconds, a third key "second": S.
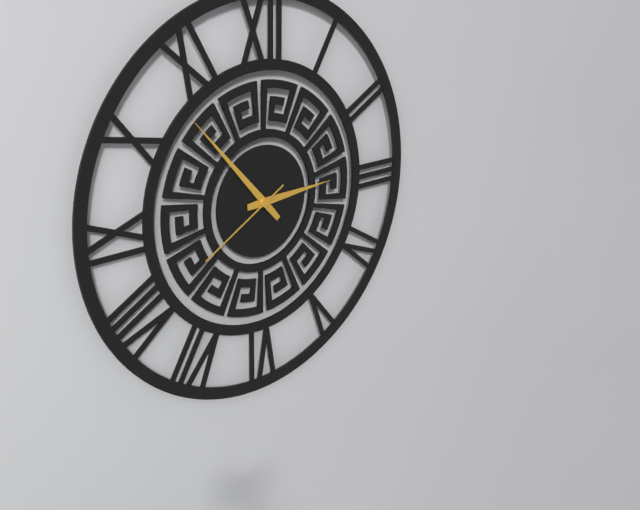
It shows {"hour": 2, "minute": 53, "second": 40}
